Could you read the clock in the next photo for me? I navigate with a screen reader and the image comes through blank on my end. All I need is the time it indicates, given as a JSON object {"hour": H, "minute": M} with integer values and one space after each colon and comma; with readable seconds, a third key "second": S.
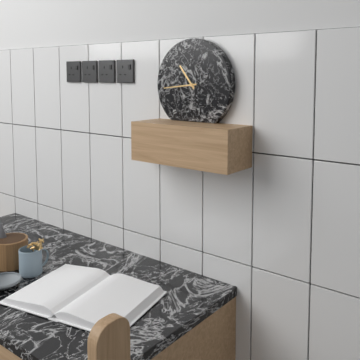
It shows {"hour": 10, "minute": 44}
